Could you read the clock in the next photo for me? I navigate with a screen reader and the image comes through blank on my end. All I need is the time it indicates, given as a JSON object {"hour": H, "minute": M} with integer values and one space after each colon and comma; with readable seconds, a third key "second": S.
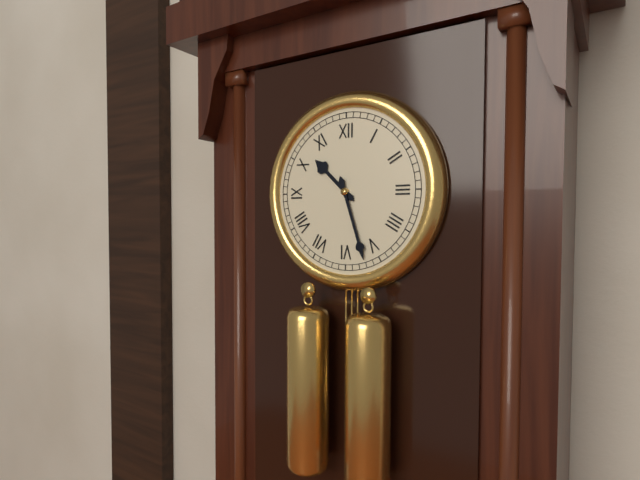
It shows {"hour": 10, "minute": 27}
